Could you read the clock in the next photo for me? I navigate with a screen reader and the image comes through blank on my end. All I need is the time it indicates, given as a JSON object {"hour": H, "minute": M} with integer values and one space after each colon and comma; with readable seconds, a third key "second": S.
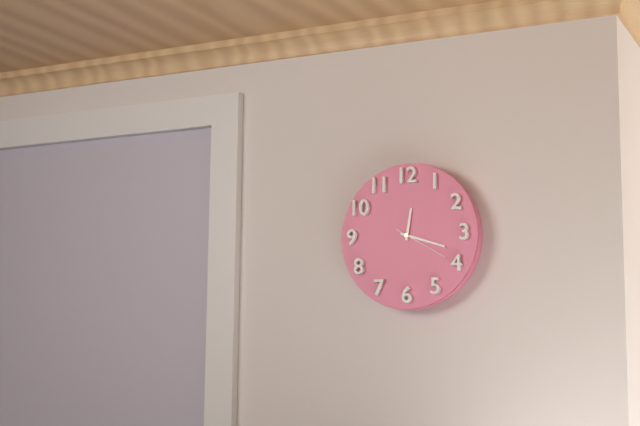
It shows {"hour": 12, "minute": 18, "second": 20}
